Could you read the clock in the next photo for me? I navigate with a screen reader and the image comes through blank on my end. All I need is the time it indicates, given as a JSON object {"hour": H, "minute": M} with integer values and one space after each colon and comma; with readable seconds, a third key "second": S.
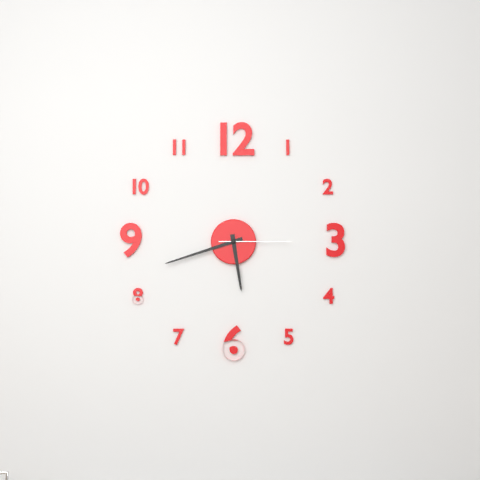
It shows {"hour": 5, "minute": 42, "second": 15}
